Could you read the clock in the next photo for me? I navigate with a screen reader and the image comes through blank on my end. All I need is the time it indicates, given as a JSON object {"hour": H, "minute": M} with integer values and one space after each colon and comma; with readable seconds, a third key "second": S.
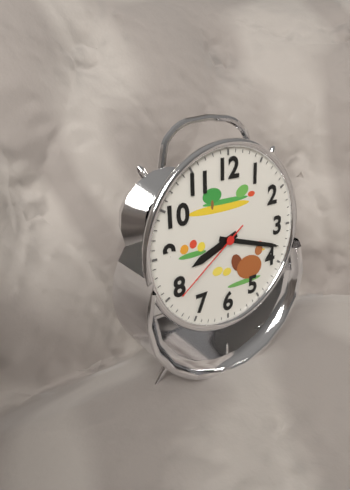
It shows {"hour": 8, "minute": 18, "second": 39}
